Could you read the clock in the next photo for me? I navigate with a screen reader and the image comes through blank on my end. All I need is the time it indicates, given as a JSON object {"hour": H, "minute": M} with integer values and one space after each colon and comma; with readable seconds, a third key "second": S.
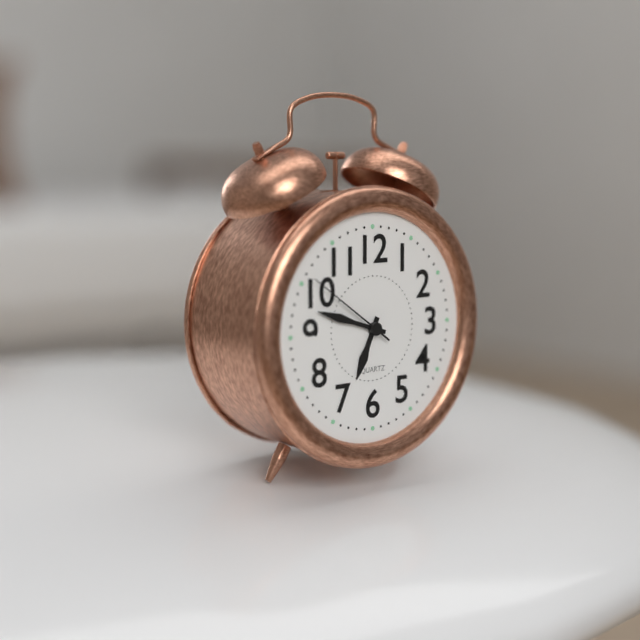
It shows {"hour": 6, "minute": 48, "second": 51}
